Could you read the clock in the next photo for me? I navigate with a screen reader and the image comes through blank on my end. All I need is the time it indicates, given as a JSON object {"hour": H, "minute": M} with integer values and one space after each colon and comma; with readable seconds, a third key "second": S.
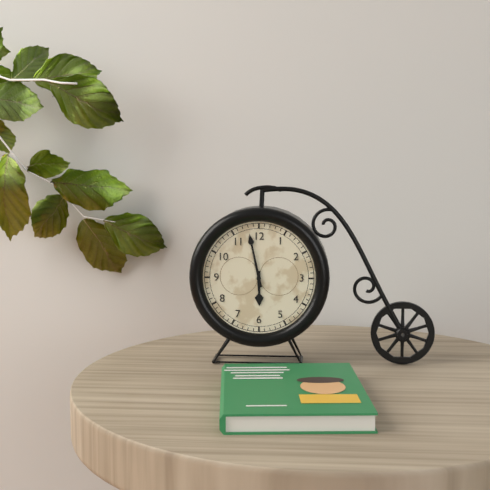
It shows {"hour": 5, "minute": 58}
